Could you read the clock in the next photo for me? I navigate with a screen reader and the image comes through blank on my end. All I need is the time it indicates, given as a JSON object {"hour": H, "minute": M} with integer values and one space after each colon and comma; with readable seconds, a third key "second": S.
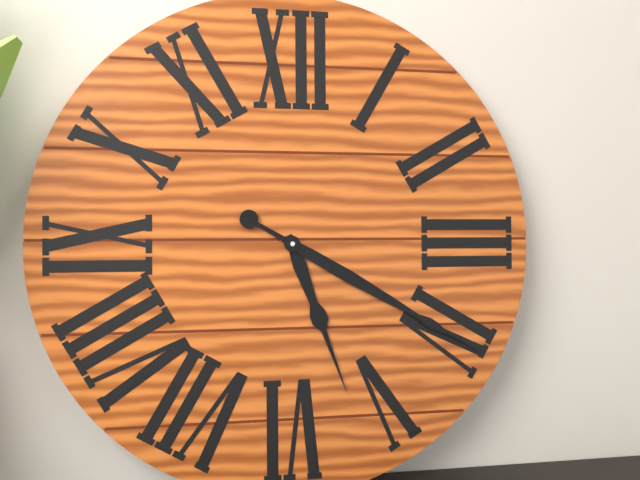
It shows {"hour": 5, "minute": 20}
